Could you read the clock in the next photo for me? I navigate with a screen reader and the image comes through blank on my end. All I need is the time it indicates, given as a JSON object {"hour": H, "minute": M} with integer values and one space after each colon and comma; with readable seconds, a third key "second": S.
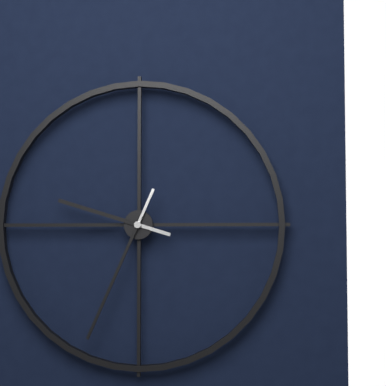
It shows {"hour": 9, "minute": 34}
